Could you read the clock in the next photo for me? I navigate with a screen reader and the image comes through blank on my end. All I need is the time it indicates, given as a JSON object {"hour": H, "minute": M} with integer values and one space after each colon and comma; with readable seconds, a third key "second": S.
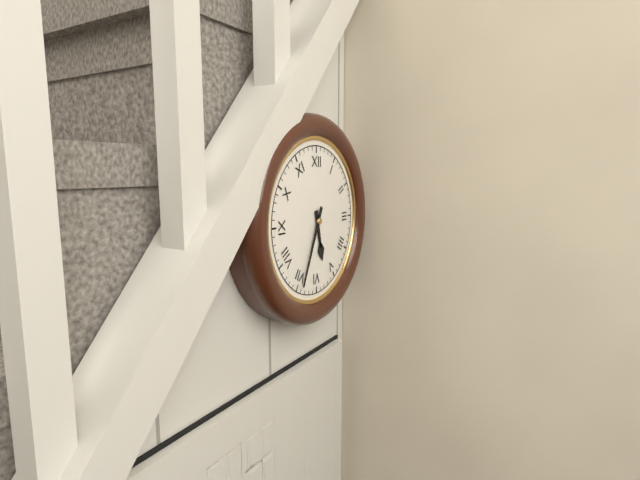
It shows {"hour": 5, "minute": 34}
